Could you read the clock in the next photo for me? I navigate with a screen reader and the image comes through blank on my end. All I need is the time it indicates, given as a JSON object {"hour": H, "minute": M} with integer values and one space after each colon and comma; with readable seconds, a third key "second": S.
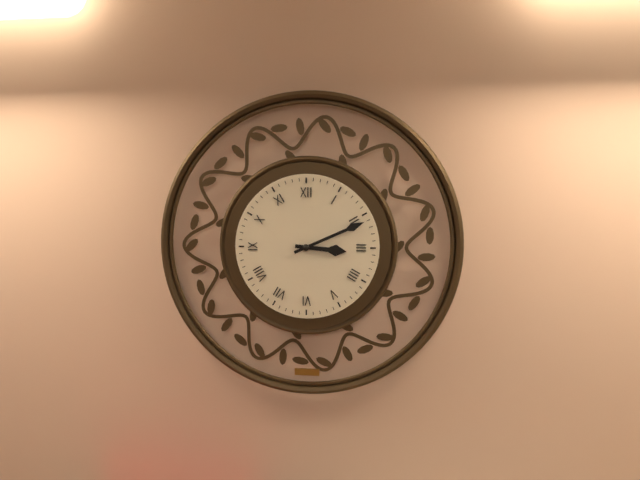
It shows {"hour": 3, "minute": 11}
